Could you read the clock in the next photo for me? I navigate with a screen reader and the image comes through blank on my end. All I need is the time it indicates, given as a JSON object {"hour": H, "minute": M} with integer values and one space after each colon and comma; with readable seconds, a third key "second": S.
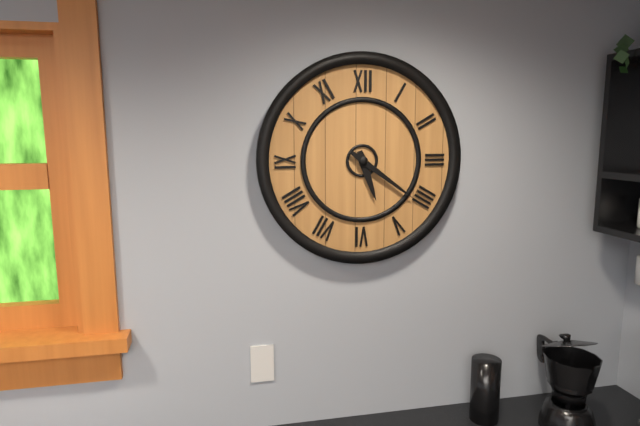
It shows {"hour": 5, "minute": 21}
